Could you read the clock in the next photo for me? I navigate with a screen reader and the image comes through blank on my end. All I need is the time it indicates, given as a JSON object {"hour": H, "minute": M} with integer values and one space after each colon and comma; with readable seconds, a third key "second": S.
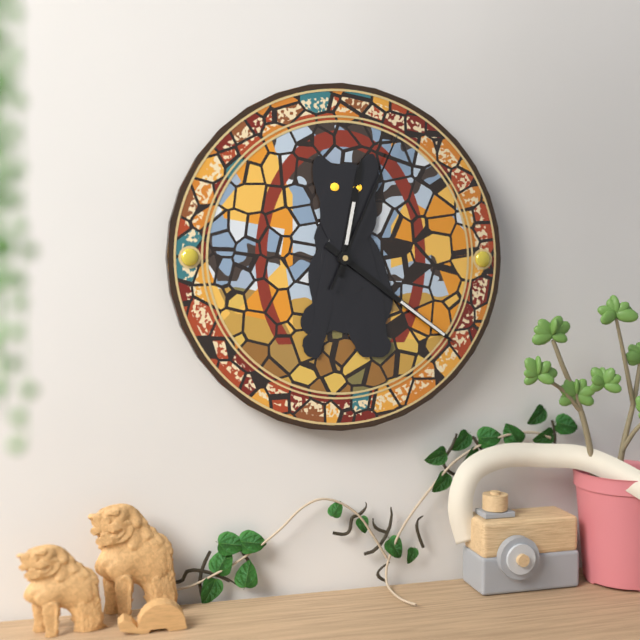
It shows {"hour": 12, "minute": 21, "second": 4}
